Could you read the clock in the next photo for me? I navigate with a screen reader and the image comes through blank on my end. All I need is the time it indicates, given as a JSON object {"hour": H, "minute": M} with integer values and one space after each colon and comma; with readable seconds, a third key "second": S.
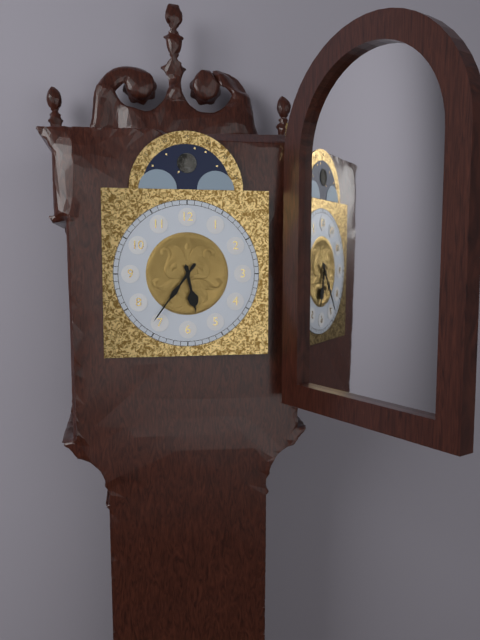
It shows {"hour": 5, "minute": 36}
